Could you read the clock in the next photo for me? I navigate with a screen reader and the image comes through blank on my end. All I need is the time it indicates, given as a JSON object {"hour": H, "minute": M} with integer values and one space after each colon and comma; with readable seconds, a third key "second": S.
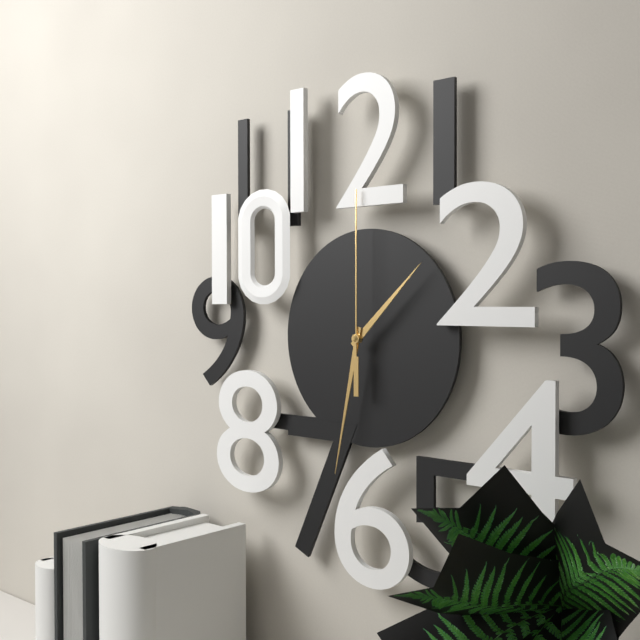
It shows {"hour": 1, "minute": 32, "second": 0}
